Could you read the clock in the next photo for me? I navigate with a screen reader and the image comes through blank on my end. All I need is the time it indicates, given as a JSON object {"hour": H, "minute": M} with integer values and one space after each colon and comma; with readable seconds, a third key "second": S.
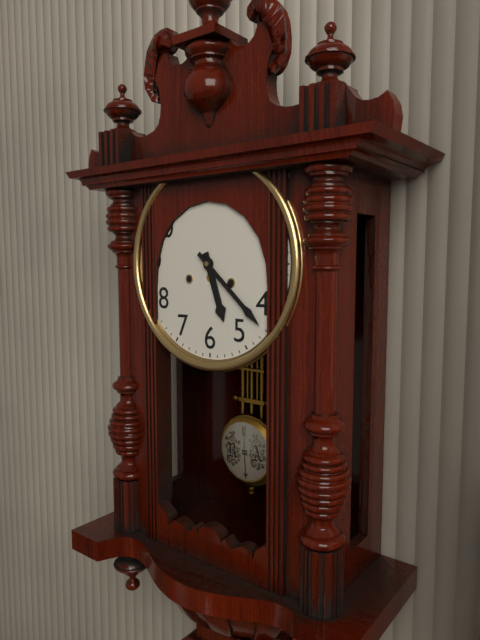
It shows {"hour": 5, "minute": 22}
